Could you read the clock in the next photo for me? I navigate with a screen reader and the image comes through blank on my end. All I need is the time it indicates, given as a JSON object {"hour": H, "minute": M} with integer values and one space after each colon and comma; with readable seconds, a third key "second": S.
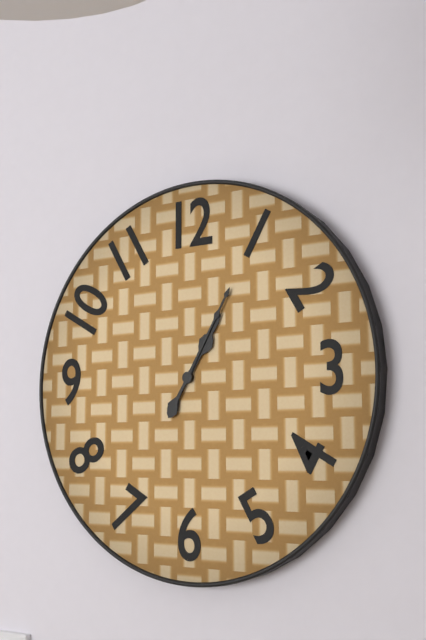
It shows {"hour": 1, "minute": 5}
